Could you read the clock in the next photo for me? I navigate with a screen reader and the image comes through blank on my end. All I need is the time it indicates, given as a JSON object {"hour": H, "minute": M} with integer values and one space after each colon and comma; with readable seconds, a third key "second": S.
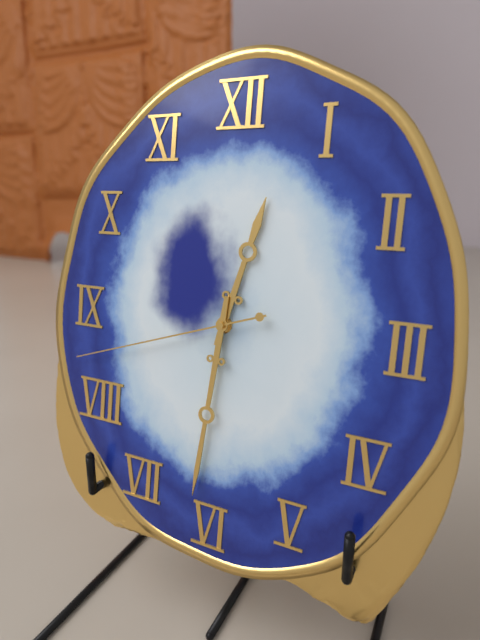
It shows {"hour": 12, "minute": 31, "second": 42}
